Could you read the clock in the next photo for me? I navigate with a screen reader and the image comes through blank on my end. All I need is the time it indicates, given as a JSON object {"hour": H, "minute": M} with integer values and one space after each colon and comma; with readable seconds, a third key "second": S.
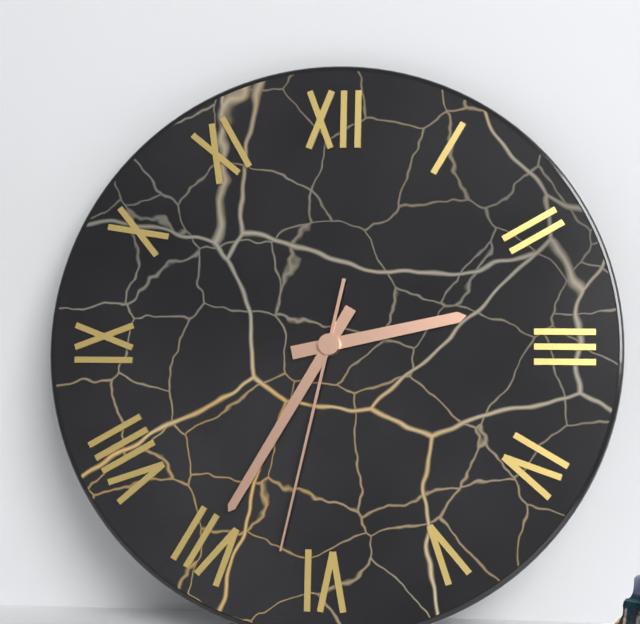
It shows {"hour": 2, "minute": 35, "second": 32}
